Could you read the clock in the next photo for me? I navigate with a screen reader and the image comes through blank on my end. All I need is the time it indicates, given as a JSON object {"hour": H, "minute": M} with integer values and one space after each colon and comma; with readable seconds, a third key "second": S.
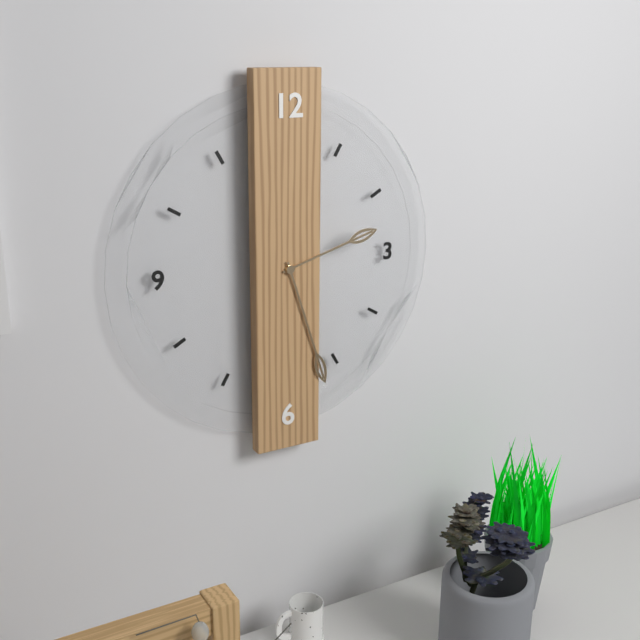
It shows {"hour": 2, "minute": 27}
